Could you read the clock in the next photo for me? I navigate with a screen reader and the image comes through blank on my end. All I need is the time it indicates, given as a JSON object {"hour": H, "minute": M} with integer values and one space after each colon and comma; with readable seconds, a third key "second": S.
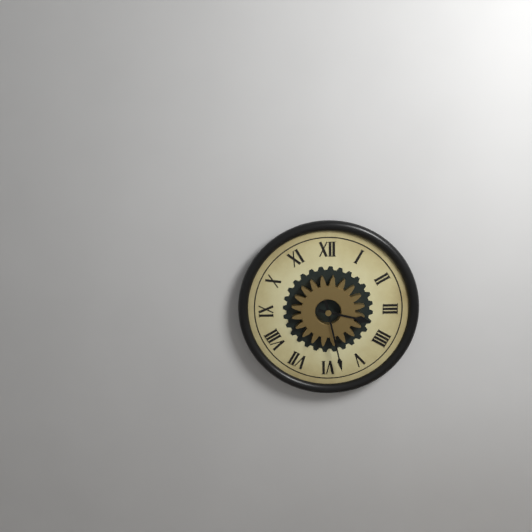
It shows {"hour": 3, "minute": 28}
